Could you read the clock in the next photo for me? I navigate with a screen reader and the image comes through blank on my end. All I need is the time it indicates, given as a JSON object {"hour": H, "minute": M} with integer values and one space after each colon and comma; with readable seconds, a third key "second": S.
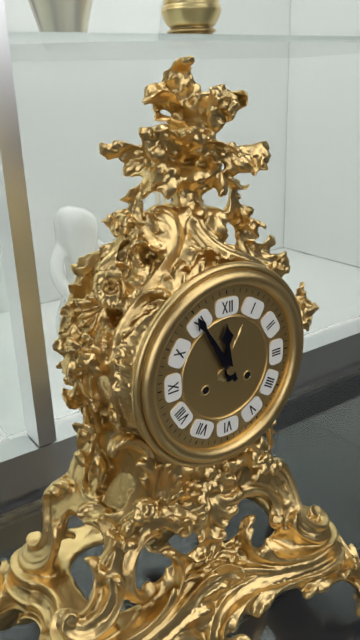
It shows {"hour": 11, "minute": 55}
